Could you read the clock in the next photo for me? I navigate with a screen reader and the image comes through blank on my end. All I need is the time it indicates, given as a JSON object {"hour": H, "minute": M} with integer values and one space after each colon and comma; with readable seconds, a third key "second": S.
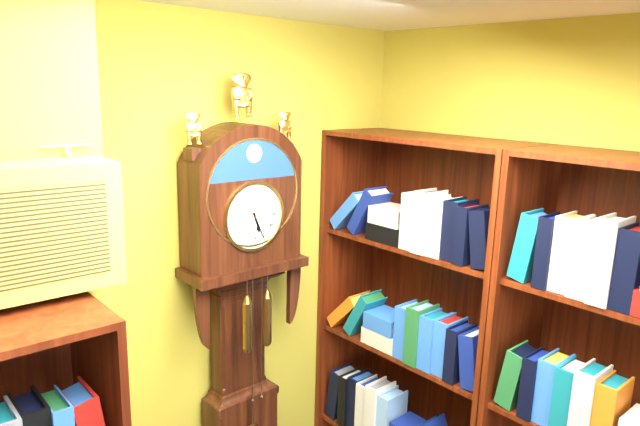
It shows {"hour": 5, "minute": 26}
